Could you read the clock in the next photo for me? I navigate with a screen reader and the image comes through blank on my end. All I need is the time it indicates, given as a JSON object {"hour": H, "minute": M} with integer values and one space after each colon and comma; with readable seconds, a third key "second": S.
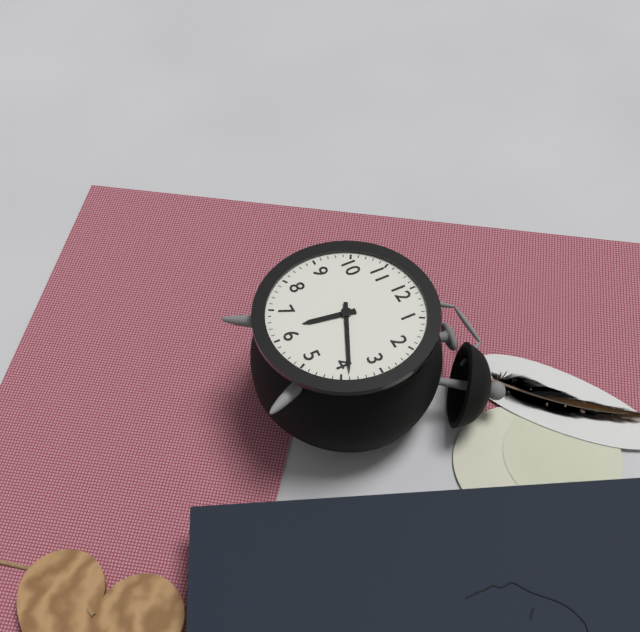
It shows {"hour": 6, "minute": 19}
